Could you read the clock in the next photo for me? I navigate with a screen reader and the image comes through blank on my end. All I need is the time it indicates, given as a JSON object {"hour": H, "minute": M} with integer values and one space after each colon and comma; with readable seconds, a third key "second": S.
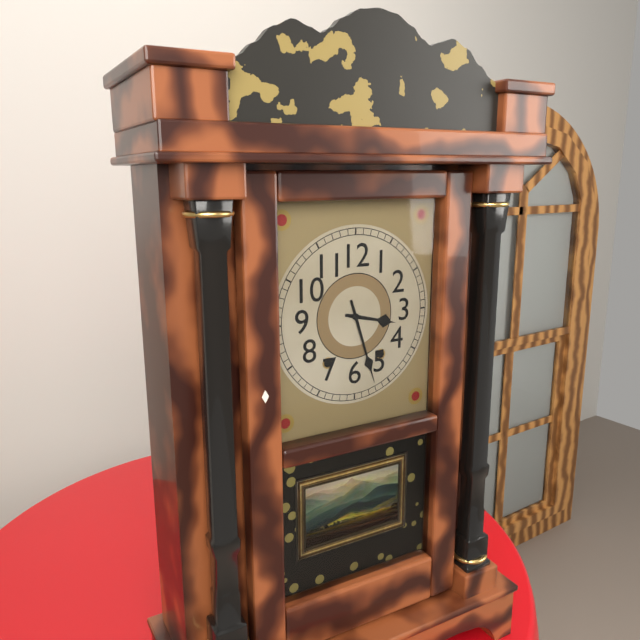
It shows {"hour": 3, "minute": 27}
